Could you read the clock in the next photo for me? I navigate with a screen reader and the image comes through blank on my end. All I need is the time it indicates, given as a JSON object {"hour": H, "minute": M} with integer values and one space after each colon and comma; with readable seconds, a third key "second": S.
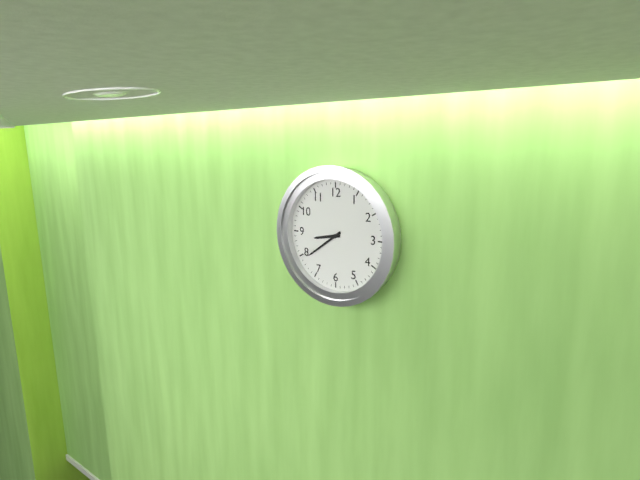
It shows {"hour": 8, "minute": 39}
